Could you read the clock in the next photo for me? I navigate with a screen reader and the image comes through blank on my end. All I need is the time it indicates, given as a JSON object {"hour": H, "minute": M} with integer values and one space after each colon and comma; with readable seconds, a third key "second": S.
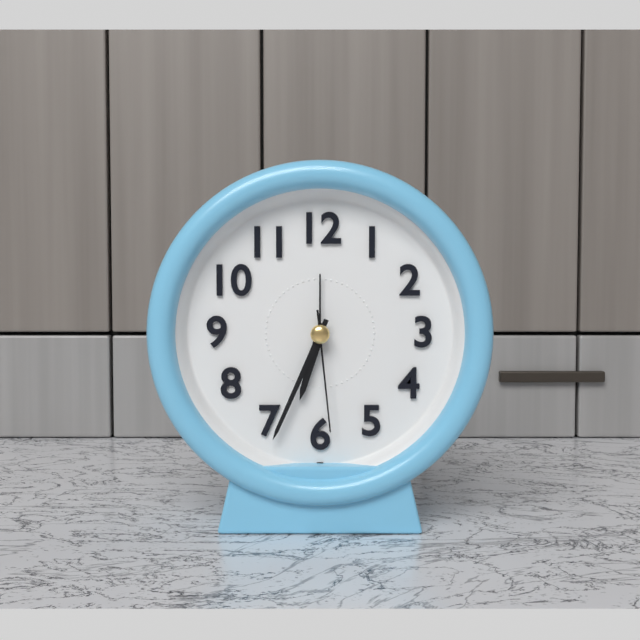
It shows {"hour": 6, "minute": 34, "second": 29}
